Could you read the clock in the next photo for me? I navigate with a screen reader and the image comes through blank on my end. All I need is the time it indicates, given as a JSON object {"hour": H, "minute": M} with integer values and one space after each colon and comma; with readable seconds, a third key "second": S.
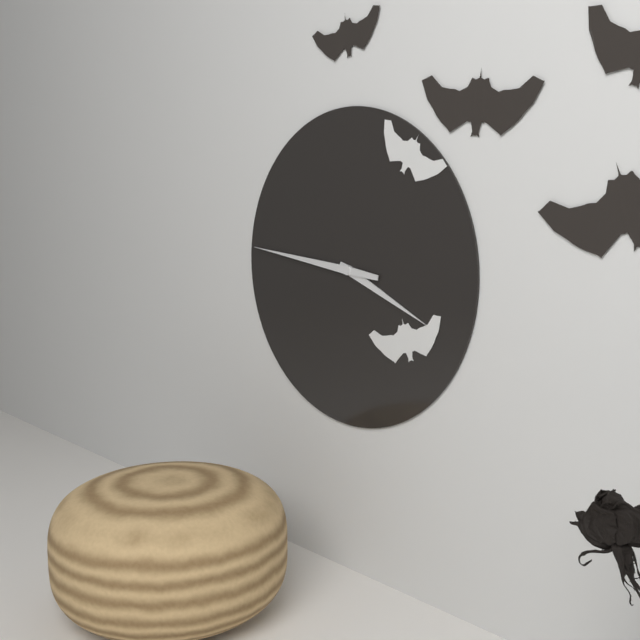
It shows {"hour": 3, "minute": 46}
